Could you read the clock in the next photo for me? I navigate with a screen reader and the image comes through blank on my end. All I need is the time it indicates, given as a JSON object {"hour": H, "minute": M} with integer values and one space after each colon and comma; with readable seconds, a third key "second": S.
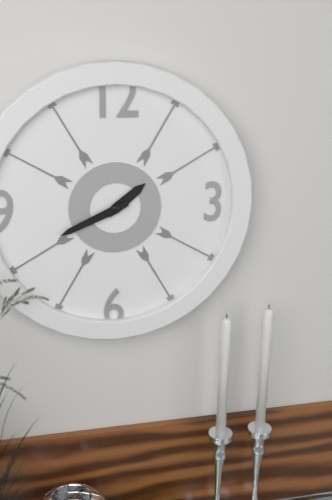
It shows {"hour": 1, "minute": 41}
